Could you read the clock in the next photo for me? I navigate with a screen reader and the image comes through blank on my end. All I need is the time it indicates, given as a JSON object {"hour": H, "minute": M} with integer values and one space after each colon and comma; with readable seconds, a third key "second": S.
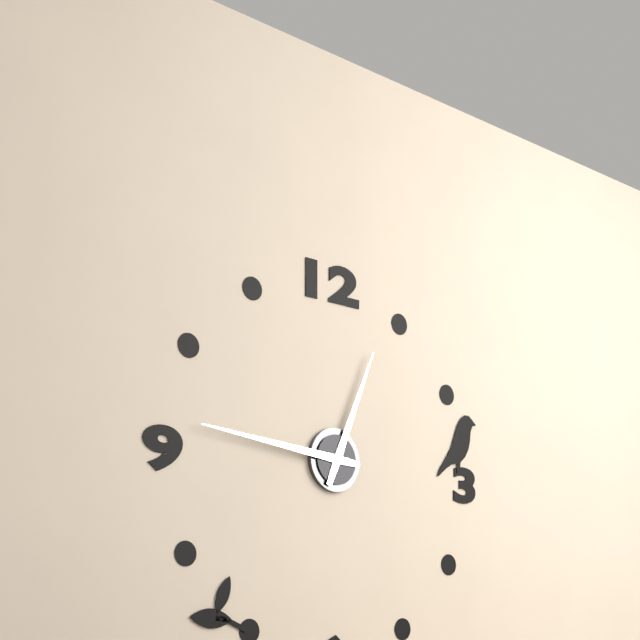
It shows {"hour": 12, "minute": 46}
